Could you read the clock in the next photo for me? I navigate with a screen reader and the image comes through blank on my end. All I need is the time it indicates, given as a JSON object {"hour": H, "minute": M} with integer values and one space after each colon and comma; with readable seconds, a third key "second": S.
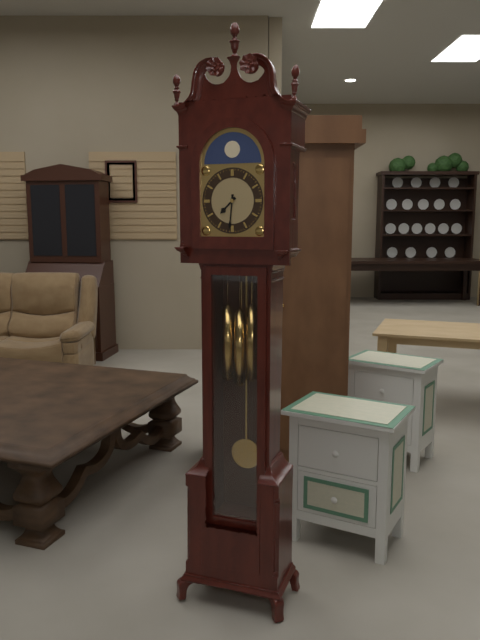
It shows {"hour": 7, "minute": 31}
